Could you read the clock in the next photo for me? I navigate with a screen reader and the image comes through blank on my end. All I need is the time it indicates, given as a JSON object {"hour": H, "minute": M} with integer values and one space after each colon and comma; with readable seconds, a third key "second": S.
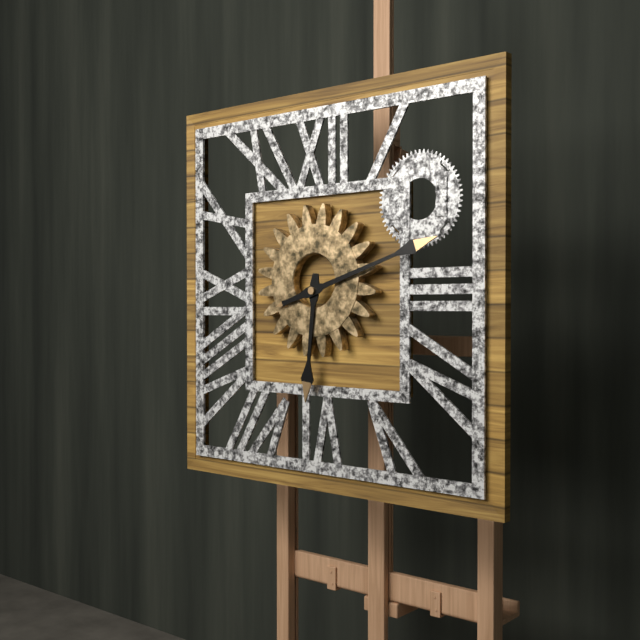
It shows {"hour": 6, "minute": 12}
